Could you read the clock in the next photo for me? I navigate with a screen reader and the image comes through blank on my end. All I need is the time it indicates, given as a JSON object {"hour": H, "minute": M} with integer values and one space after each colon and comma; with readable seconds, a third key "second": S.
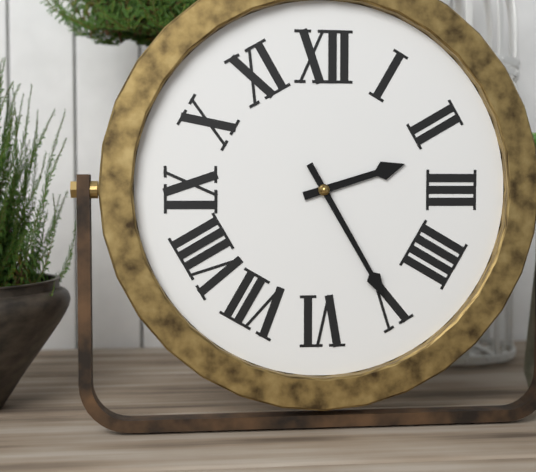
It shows {"hour": 2, "minute": 25}
